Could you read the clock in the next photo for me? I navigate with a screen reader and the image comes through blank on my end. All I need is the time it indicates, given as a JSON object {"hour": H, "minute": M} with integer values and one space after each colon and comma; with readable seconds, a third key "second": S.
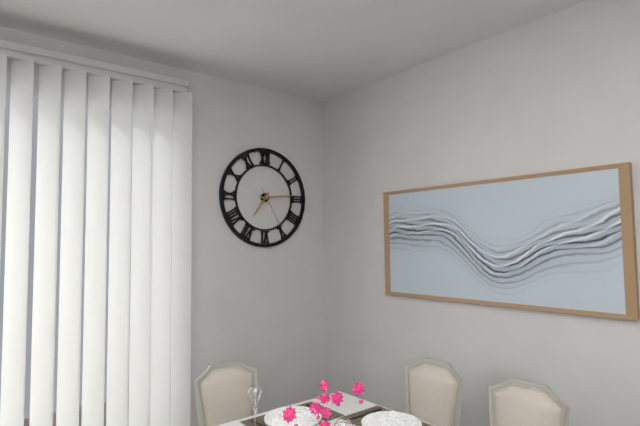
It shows {"hour": 7, "minute": 14, "second": 25}
